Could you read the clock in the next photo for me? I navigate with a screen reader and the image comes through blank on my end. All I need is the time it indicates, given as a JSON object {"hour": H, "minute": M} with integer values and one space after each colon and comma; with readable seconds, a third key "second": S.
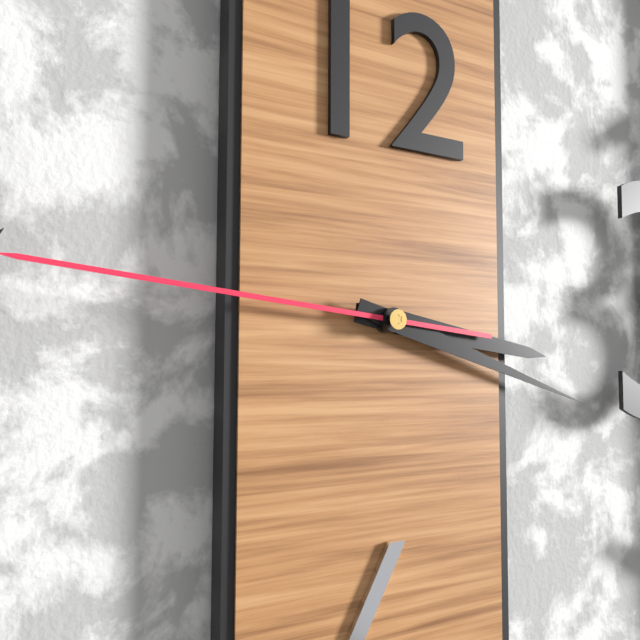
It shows {"hour": 3, "minute": 18}
